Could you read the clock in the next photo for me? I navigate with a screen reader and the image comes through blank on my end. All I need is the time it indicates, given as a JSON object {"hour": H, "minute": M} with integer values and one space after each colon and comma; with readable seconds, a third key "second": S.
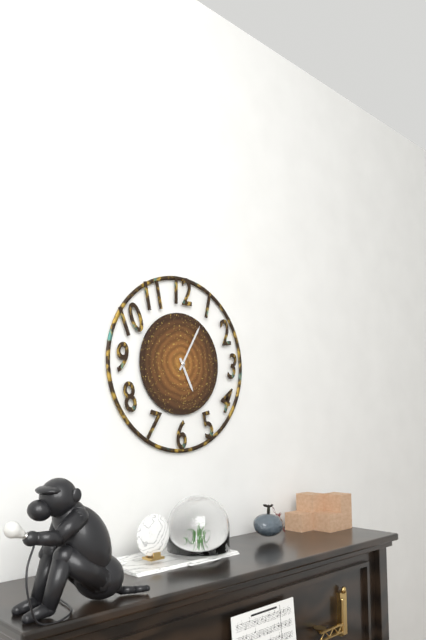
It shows {"hour": 5, "minute": 5}
